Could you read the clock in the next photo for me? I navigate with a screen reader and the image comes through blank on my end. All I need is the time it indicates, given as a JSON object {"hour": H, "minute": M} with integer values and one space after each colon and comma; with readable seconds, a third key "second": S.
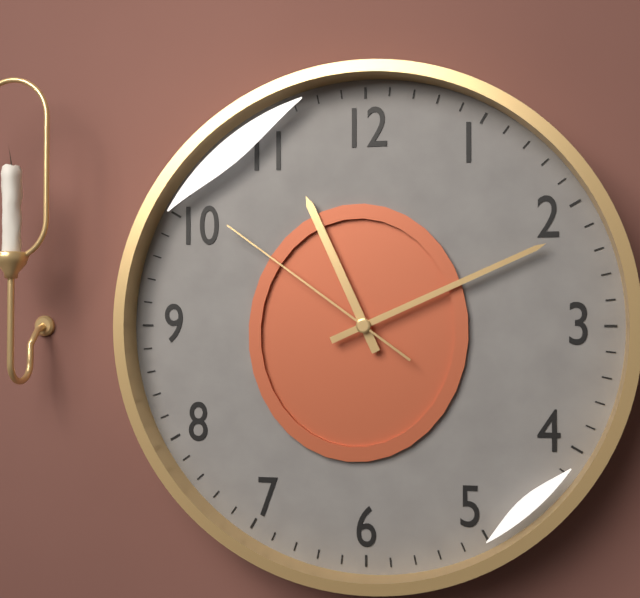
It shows {"hour": 11, "minute": 11, "second": 51}
